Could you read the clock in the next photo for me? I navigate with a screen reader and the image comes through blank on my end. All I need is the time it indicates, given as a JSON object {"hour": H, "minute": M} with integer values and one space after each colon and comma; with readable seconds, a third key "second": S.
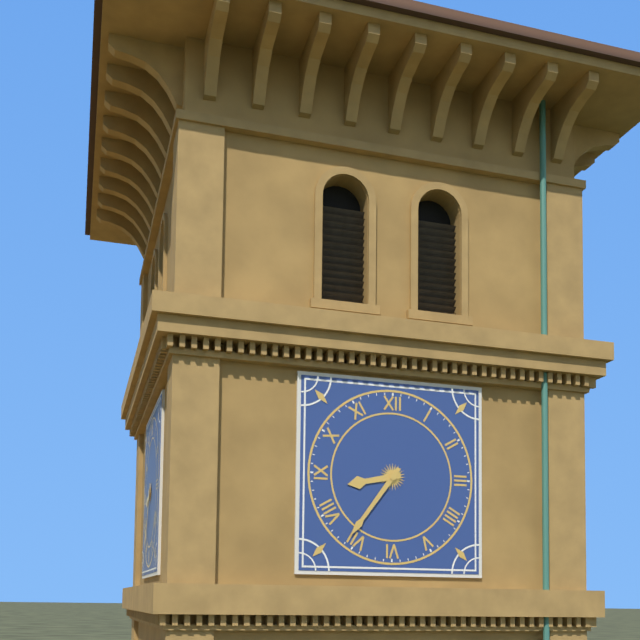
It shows {"hour": 8, "minute": 36}
